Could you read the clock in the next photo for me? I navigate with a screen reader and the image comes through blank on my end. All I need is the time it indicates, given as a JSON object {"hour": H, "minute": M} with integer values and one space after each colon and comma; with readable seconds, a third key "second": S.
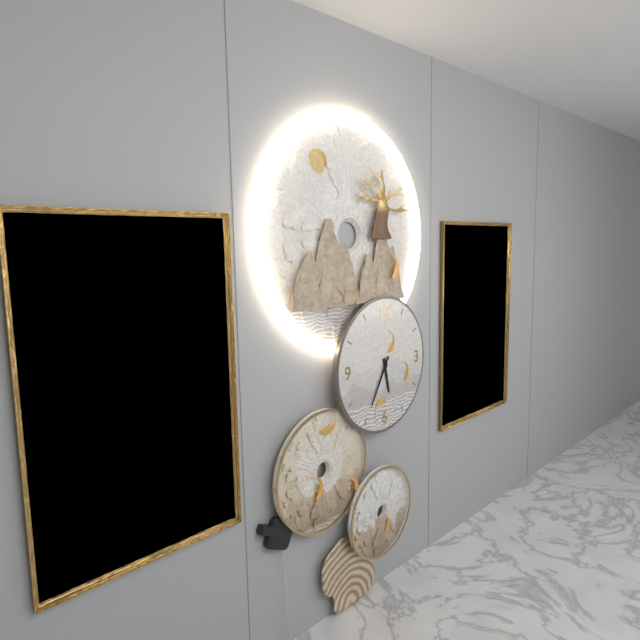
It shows {"hour": 5, "minute": 35}
